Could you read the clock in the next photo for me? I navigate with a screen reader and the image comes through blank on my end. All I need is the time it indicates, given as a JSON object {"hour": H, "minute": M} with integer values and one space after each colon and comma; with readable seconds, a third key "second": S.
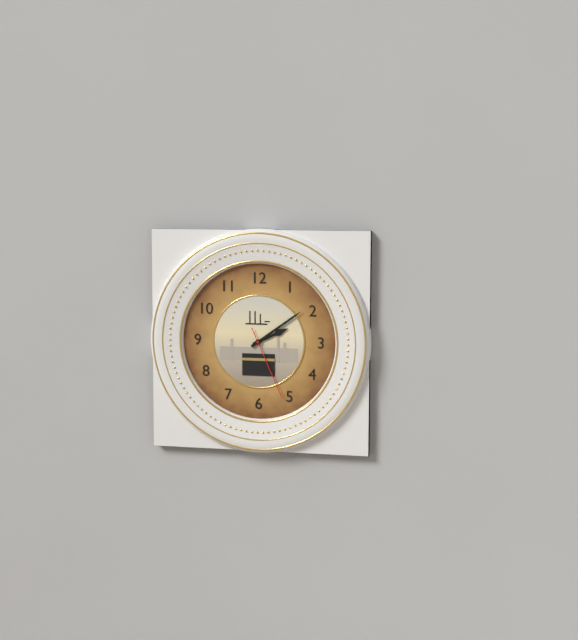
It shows {"hour": 2, "minute": 9, "second": 26}
